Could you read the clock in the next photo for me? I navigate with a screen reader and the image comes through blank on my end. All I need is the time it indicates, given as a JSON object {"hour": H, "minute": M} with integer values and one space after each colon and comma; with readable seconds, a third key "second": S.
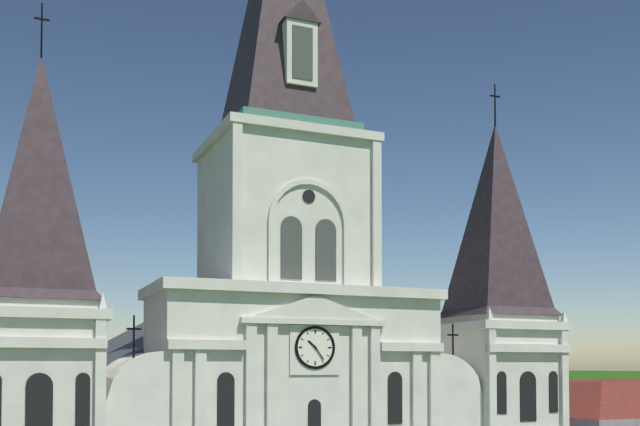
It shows {"hour": 10, "minute": 24}
